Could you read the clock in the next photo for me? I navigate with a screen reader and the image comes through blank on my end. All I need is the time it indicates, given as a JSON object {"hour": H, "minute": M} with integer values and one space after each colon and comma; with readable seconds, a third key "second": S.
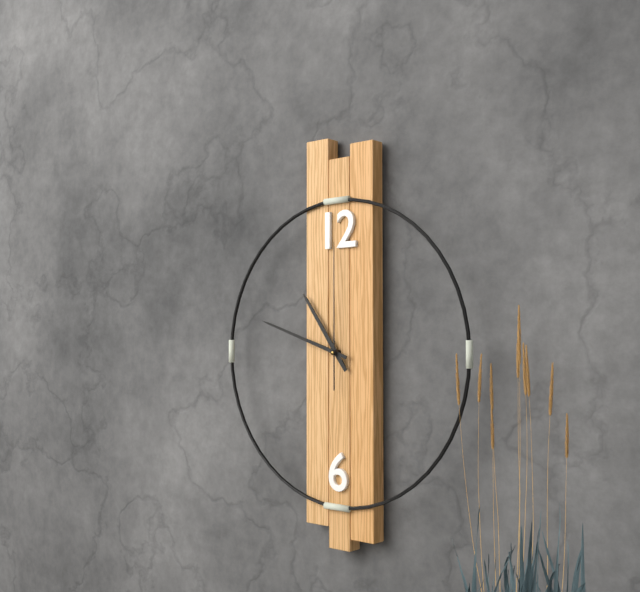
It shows {"hour": 10, "minute": 48, "second": 0}
